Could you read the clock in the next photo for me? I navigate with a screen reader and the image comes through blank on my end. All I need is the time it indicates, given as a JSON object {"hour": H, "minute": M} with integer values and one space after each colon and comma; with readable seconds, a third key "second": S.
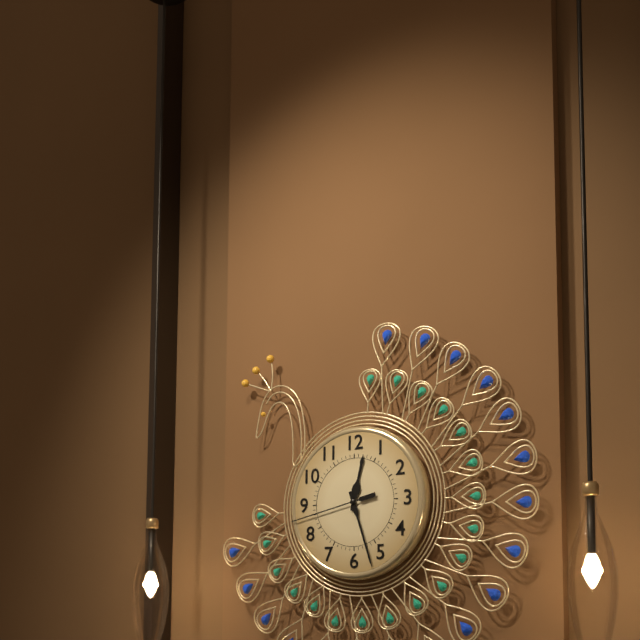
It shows {"hour": 12, "minute": 27, "second": 43}
